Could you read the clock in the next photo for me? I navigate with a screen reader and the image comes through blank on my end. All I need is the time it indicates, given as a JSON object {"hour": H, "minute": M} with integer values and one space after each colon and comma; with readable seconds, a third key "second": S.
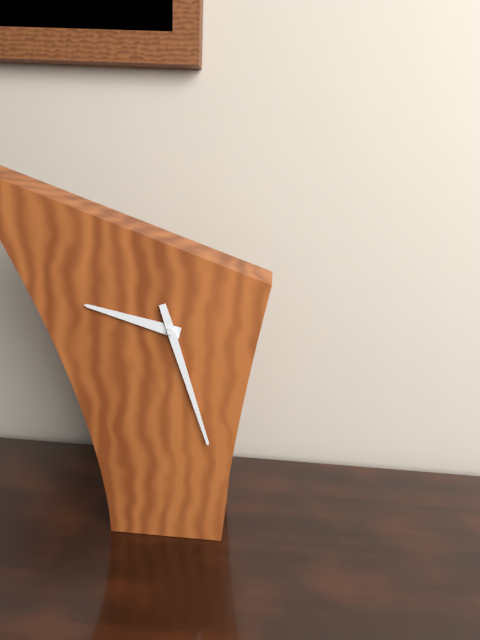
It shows {"hour": 9, "minute": 27}
